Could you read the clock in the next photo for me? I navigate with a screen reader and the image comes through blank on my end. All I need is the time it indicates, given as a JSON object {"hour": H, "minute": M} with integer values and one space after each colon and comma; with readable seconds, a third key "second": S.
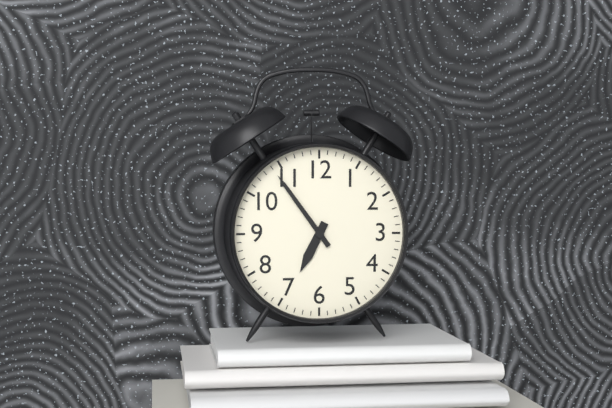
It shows {"hour": 6, "minute": 54}
